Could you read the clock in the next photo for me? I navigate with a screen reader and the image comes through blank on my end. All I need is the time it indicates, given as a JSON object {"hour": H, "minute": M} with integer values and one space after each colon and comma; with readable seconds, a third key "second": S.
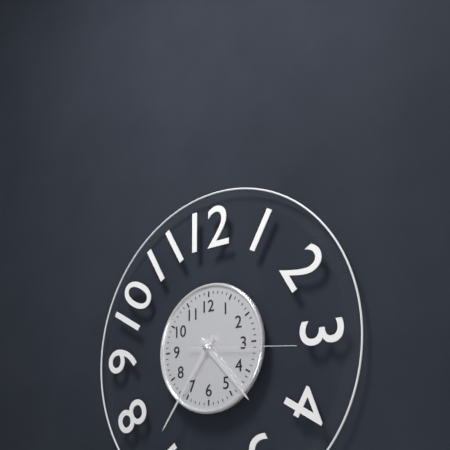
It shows {"hour": 4, "minute": 36, "second": 16}
